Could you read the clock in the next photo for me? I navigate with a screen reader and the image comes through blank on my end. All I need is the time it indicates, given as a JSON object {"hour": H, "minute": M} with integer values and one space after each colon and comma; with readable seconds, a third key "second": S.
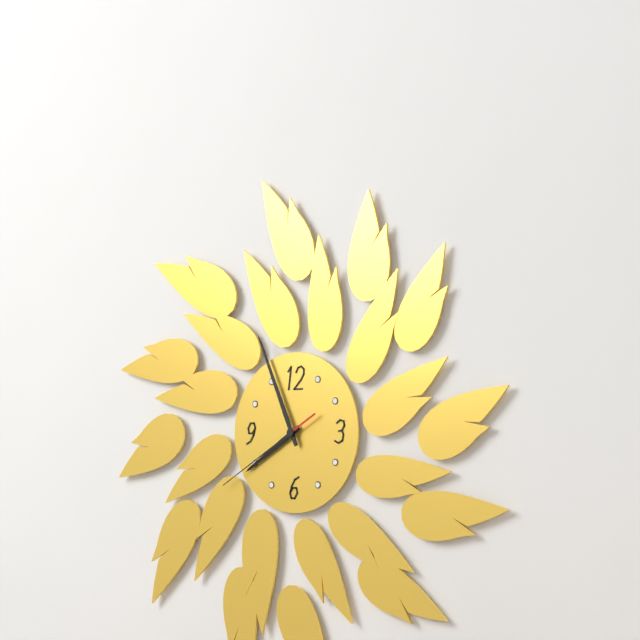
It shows {"hour": 7, "minute": 56, "second": 40}
